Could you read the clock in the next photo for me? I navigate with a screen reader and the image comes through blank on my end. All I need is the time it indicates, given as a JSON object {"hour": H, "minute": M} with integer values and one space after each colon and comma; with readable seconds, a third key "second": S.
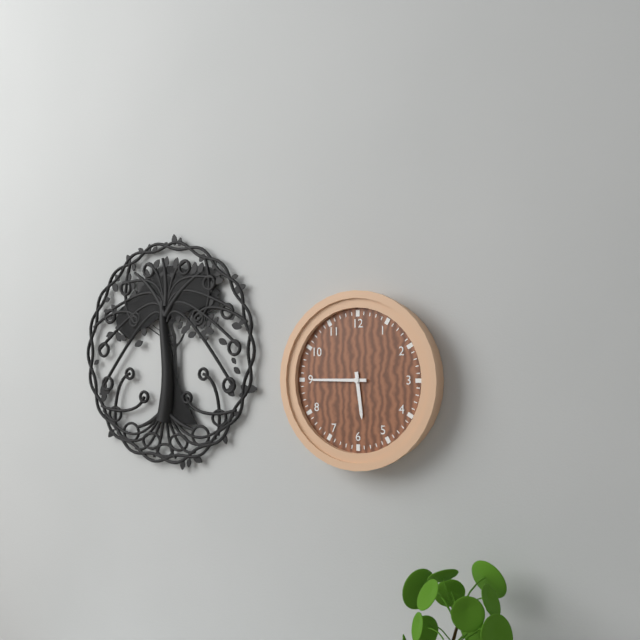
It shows {"hour": 5, "minute": 45}
